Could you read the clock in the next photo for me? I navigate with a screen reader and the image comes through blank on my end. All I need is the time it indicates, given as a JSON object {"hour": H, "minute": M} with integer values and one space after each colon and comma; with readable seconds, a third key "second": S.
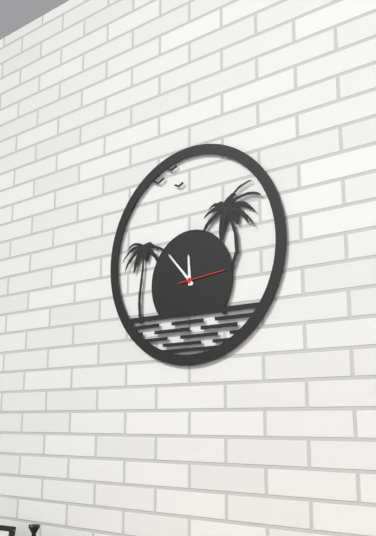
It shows {"hour": 11, "minute": 53}
